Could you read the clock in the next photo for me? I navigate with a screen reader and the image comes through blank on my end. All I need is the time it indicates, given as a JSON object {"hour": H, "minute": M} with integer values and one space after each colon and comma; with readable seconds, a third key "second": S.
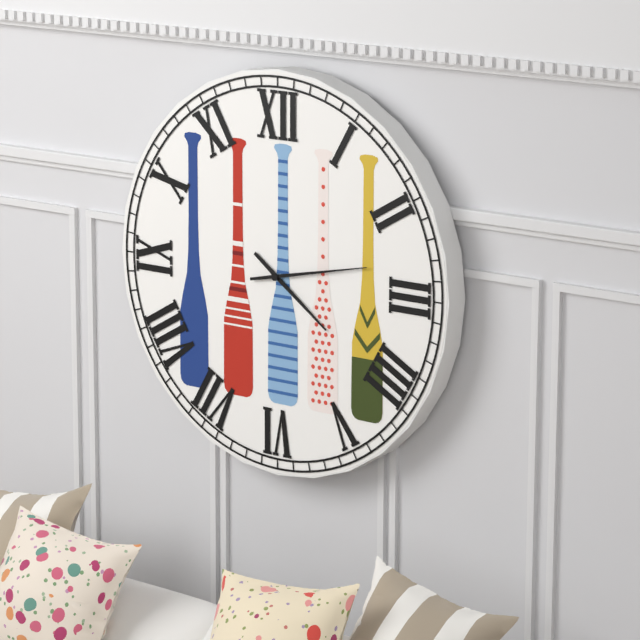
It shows {"hour": 4, "minute": 13}
